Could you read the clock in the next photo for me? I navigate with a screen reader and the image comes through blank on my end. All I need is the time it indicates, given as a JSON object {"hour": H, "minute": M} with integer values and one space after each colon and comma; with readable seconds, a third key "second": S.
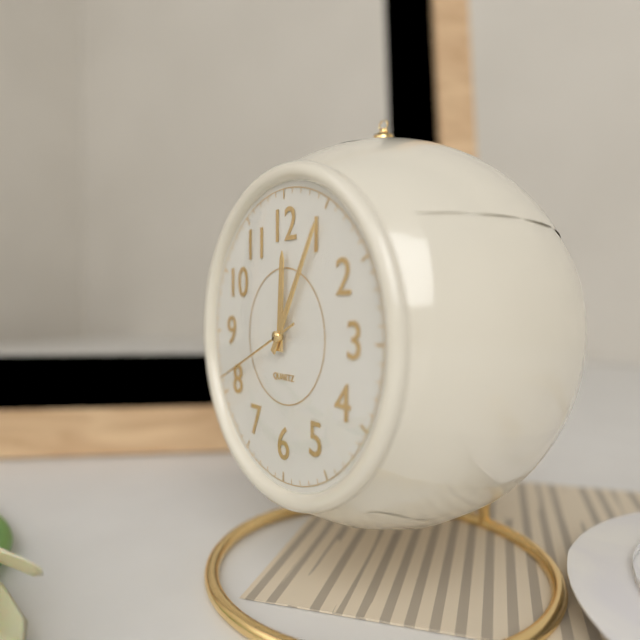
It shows {"hour": 12, "minute": 5, "second": 41}
